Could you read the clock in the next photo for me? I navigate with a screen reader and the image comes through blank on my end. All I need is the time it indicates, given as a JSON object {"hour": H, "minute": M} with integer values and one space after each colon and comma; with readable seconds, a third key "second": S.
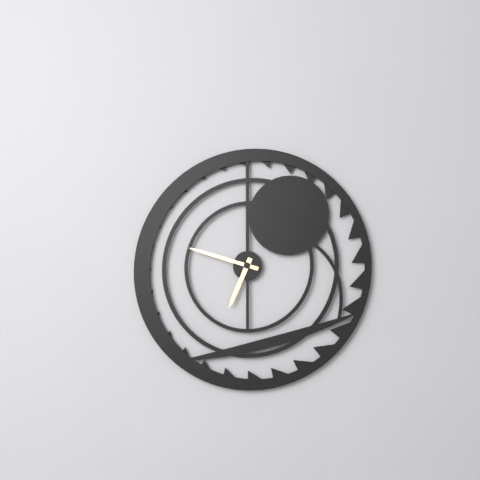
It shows {"hour": 6, "minute": 48}
